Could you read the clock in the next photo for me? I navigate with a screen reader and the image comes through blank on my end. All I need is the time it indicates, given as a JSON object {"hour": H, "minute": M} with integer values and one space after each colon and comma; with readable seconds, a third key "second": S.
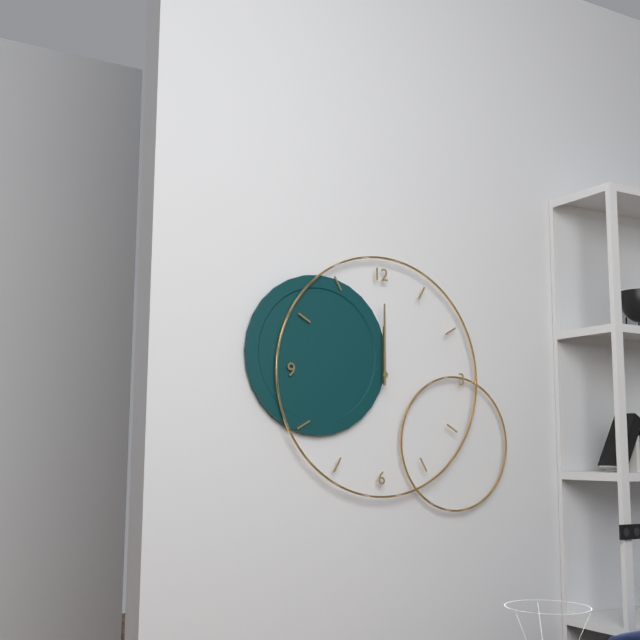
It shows {"hour": 12, "minute": 0}
